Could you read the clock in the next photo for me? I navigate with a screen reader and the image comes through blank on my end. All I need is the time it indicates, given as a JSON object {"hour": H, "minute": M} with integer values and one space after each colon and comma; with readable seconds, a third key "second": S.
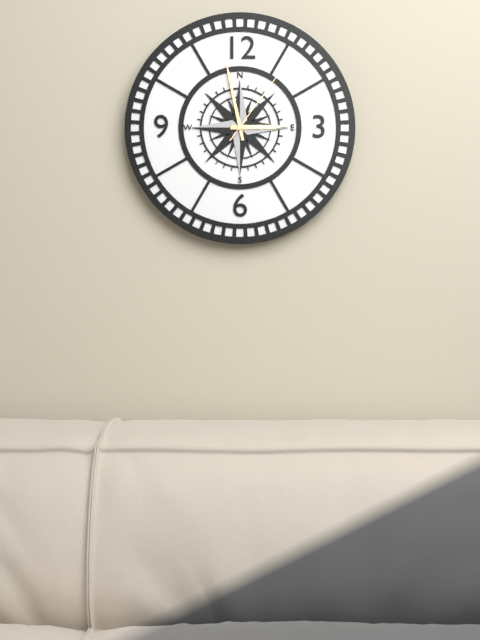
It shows {"hour": 2, "minute": 58, "second": 6}
